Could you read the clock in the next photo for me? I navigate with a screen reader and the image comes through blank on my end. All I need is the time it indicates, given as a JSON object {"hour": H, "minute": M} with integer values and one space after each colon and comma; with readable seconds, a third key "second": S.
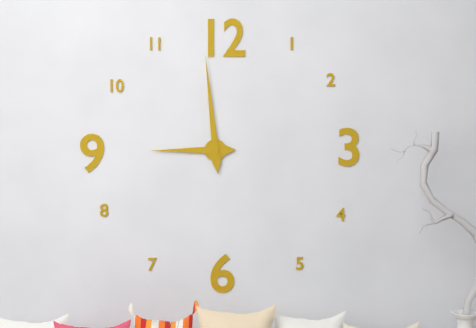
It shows {"hour": 8, "minute": 59}
